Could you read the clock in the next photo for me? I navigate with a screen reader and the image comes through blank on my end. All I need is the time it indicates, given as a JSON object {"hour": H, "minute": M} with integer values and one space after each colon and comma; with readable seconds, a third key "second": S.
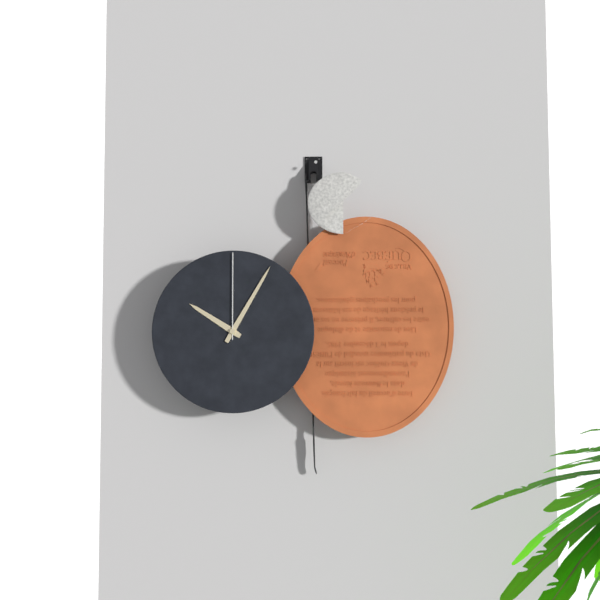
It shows {"hour": 10, "minute": 5, "second": 0}
